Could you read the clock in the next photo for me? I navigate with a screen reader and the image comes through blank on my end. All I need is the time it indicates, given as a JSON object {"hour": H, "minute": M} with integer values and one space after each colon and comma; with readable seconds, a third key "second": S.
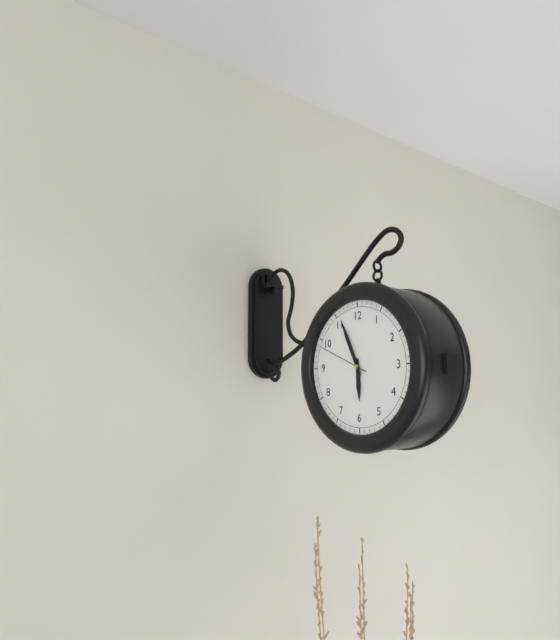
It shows {"hour": 5, "minute": 56, "second": 49}
